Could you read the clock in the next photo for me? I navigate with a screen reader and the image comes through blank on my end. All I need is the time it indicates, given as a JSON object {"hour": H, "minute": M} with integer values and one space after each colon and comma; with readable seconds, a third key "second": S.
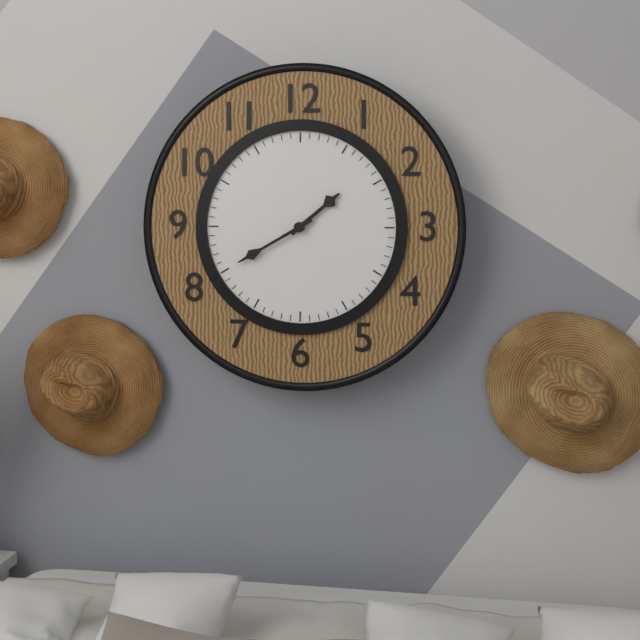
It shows {"hour": 1, "minute": 40}
